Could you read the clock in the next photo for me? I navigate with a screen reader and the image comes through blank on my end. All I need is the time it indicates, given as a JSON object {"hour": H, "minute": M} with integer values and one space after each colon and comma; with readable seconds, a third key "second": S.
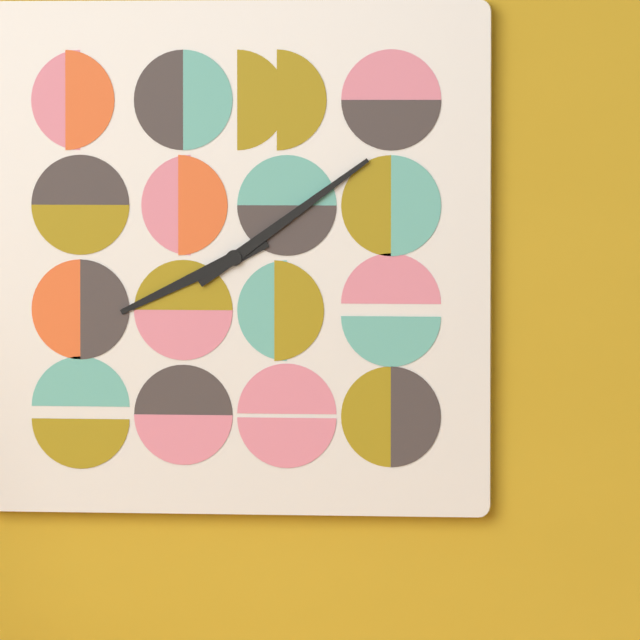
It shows {"hour": 8, "minute": 9}
